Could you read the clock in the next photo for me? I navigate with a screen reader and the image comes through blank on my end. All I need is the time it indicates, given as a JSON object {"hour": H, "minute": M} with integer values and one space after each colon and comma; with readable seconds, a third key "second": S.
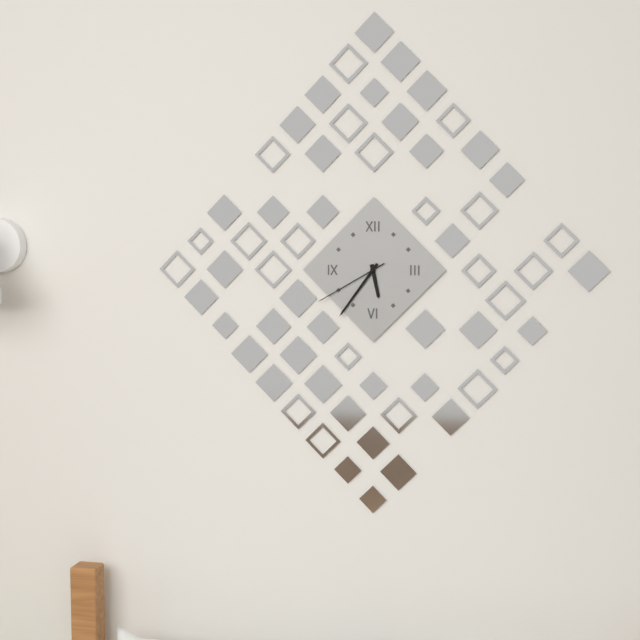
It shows {"hour": 5, "minute": 36, "second": 40}
